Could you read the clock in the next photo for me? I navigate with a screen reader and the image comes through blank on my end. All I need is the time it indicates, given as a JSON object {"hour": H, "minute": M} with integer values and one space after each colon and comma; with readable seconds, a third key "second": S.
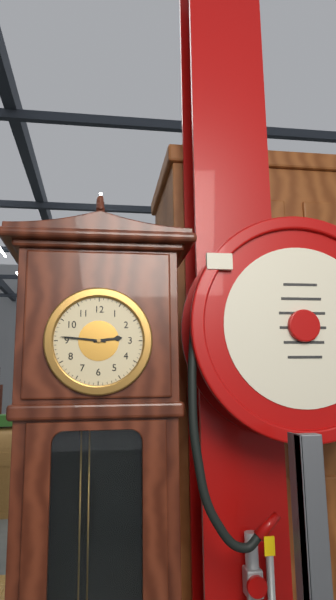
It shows {"hour": 2, "minute": 46}
